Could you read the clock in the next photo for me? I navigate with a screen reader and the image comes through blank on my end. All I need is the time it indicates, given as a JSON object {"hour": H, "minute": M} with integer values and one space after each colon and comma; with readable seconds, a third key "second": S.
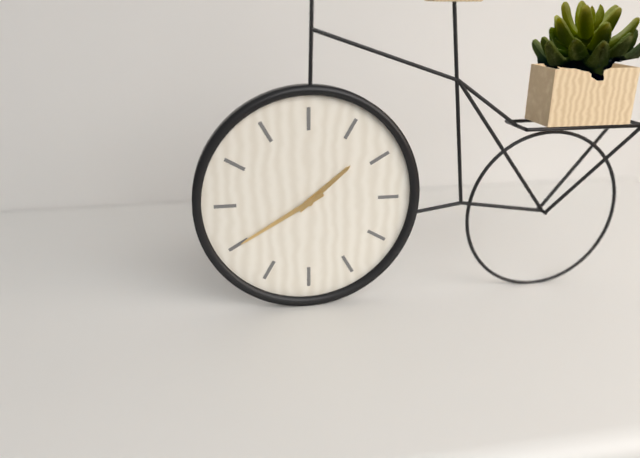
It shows {"hour": 1, "minute": 40}
